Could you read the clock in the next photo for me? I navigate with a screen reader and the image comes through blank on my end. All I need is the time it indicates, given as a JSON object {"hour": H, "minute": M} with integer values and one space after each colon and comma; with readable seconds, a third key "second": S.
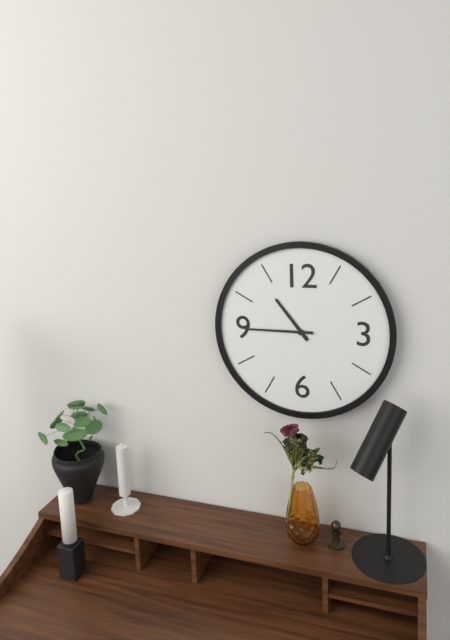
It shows {"hour": 10, "minute": 45}
